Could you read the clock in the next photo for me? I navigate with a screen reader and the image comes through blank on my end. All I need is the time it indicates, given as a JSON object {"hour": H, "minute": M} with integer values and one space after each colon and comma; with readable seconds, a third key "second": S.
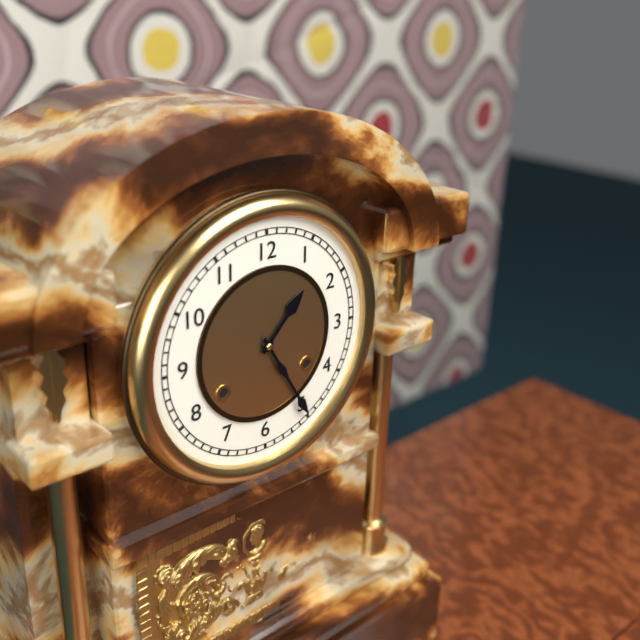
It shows {"hour": 1, "minute": 25}
